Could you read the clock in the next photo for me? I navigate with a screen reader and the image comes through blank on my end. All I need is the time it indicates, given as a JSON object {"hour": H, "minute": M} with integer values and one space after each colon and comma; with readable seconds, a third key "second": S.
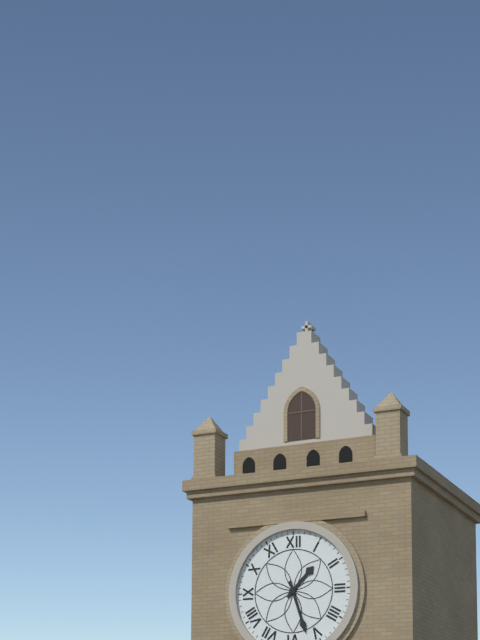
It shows {"hour": 1, "minute": 27}
